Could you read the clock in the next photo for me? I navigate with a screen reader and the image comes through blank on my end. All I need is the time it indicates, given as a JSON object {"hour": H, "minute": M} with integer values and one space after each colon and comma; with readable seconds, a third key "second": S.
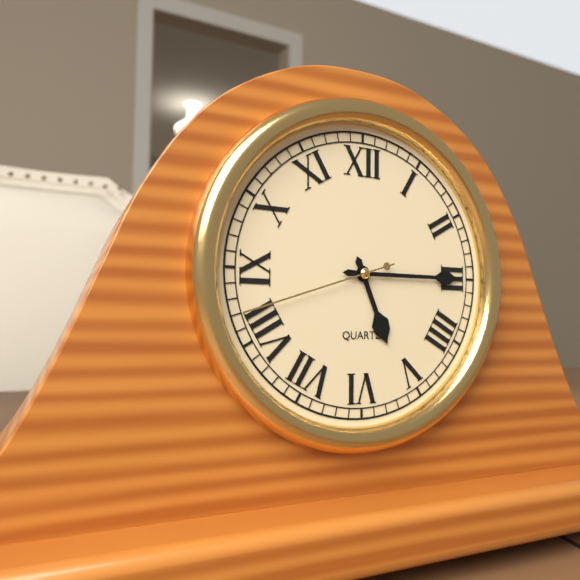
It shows {"hour": 5, "minute": 15, "second": 42}
